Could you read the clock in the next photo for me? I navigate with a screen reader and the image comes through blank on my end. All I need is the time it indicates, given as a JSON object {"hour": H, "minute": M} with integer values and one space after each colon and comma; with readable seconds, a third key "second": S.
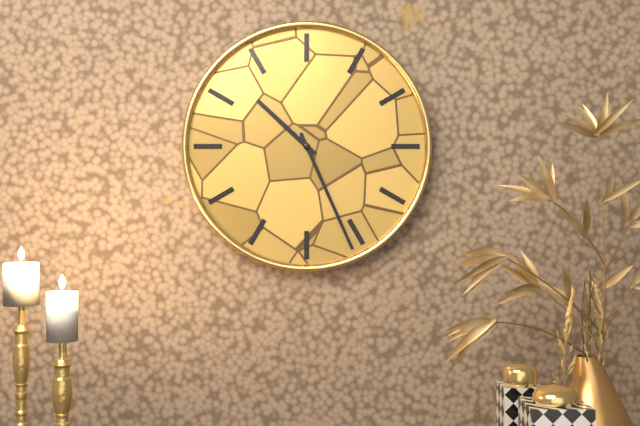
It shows {"hour": 10, "minute": 26}
